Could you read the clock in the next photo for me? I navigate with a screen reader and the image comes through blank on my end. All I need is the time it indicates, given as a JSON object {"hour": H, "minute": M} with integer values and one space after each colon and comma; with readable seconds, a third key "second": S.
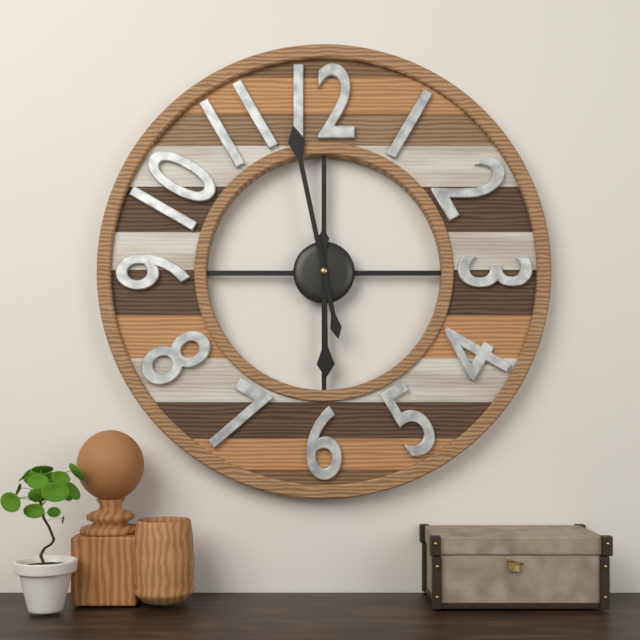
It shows {"hour": 5, "minute": 58}
